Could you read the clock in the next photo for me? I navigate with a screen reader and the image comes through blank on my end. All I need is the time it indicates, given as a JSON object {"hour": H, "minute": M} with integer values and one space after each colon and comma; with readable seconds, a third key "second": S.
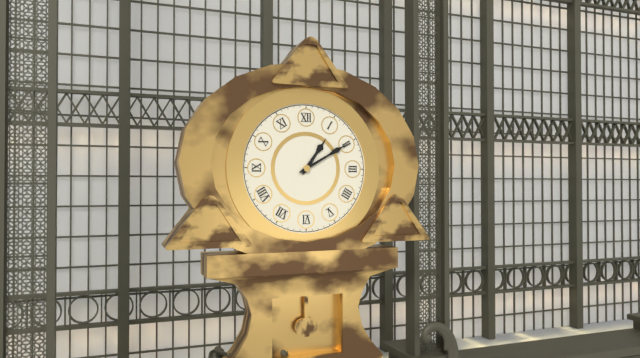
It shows {"hour": 1, "minute": 10}
